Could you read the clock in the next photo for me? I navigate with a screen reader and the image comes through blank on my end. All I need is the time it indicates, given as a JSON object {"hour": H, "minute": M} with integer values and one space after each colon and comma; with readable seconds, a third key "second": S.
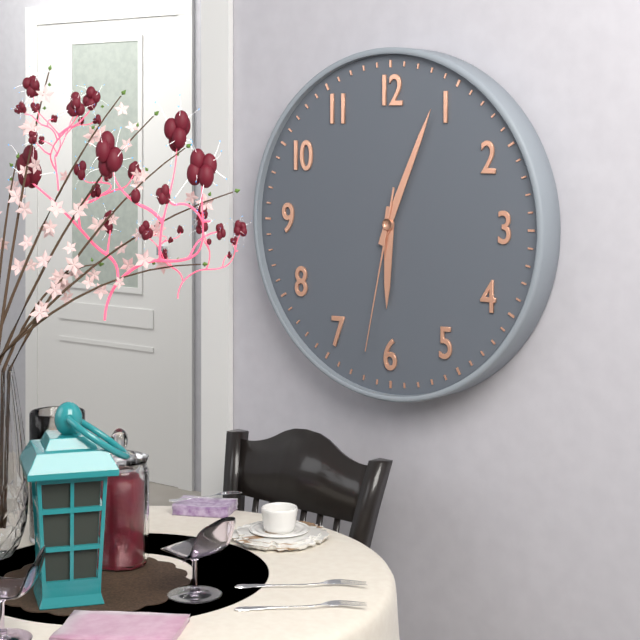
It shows {"hour": 6, "minute": 4, "second": 32}
